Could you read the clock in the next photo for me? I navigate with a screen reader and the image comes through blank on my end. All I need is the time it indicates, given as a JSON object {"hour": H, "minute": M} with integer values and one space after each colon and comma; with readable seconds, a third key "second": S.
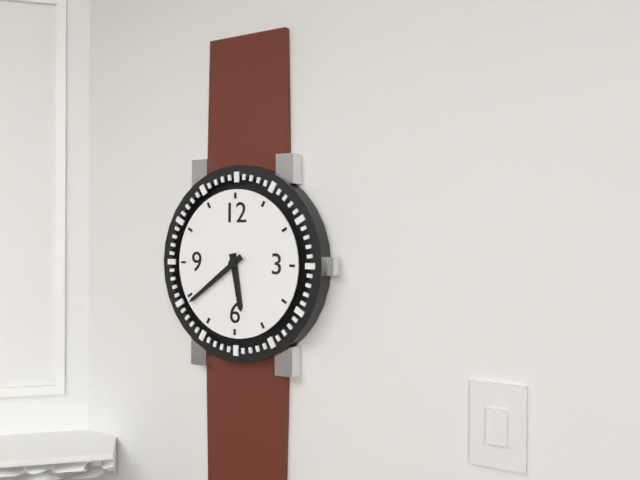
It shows {"hour": 5, "minute": 39}
